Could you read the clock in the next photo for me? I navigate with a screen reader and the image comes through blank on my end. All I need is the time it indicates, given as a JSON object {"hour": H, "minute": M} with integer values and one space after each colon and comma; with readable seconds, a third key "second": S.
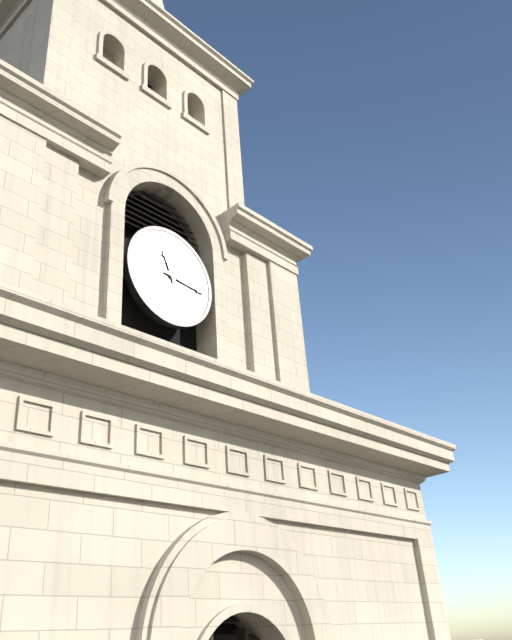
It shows {"hour": 11, "minute": 16}
